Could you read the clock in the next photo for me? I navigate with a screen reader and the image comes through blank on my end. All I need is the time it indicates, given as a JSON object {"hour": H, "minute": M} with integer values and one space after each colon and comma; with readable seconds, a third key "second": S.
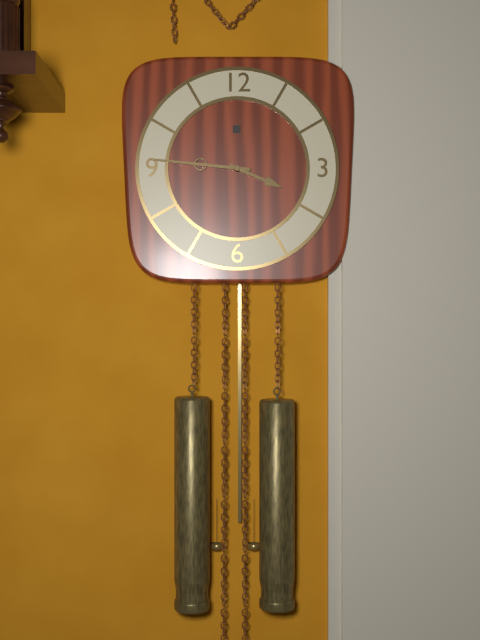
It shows {"hour": 3, "minute": 46}
